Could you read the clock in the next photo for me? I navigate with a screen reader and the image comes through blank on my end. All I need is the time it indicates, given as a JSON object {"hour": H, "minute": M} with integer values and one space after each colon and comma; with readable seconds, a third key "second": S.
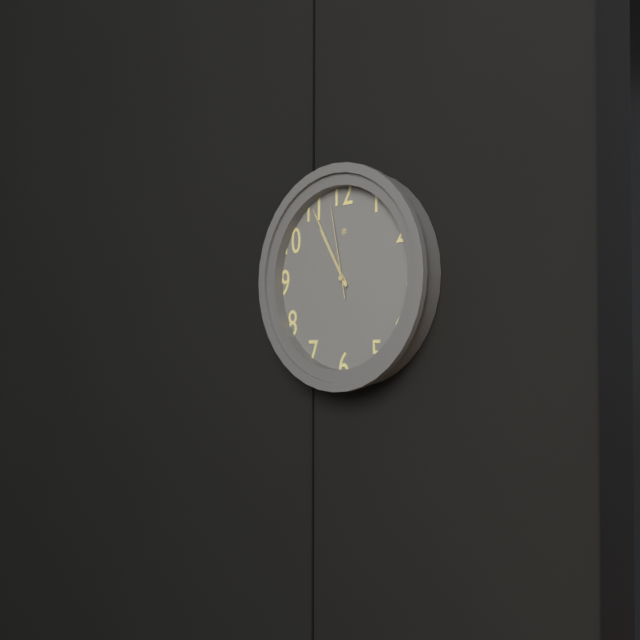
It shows {"hour": 10, "minute": 55, "second": 58}
